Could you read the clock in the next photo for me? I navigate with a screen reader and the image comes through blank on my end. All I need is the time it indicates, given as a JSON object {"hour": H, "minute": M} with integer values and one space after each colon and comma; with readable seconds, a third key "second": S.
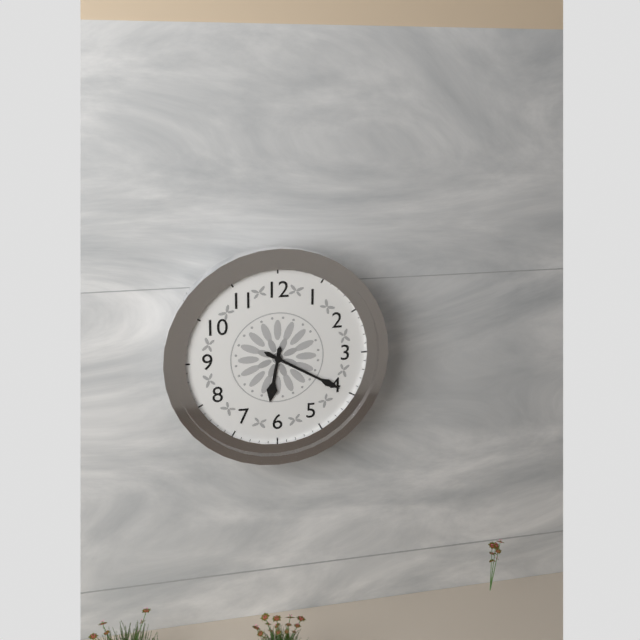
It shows {"hour": 6, "minute": 20}
